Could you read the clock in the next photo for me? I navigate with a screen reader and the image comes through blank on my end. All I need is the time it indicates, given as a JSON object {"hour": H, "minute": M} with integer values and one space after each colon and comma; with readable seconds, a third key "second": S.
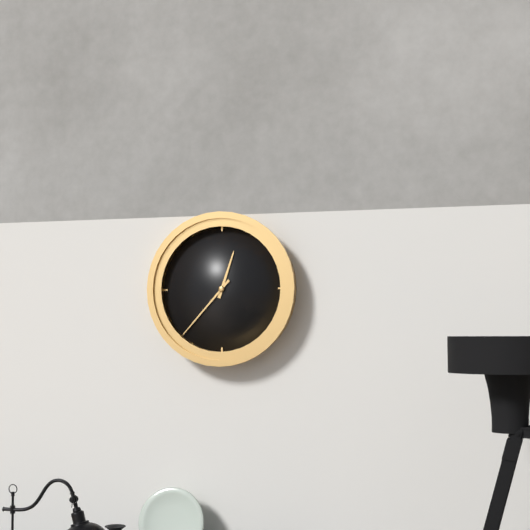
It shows {"hour": 12, "minute": 37}
